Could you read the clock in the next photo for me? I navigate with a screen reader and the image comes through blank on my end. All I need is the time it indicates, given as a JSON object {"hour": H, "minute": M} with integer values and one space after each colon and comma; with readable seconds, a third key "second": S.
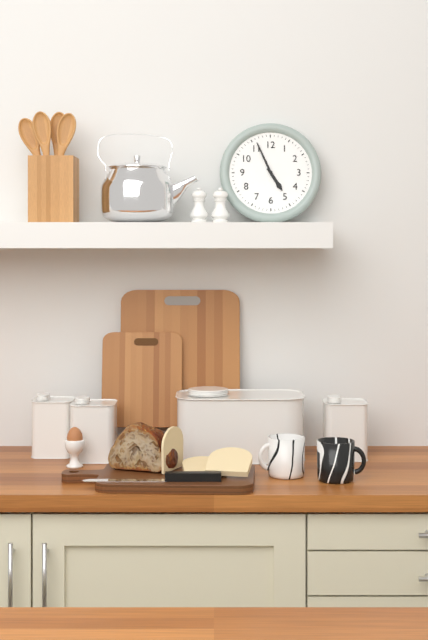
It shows {"hour": 4, "minute": 56}
